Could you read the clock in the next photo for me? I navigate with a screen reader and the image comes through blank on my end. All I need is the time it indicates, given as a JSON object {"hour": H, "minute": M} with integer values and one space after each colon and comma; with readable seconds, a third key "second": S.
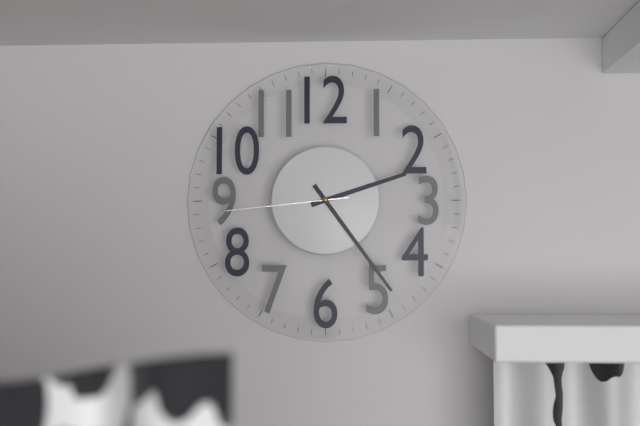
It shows {"hour": 2, "minute": 24, "second": 44}
